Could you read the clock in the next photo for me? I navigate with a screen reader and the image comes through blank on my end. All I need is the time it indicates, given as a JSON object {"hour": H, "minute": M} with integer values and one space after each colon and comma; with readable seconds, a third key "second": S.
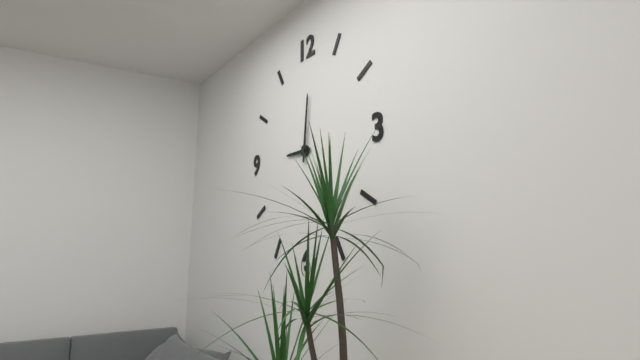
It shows {"hour": 9, "minute": 1}
